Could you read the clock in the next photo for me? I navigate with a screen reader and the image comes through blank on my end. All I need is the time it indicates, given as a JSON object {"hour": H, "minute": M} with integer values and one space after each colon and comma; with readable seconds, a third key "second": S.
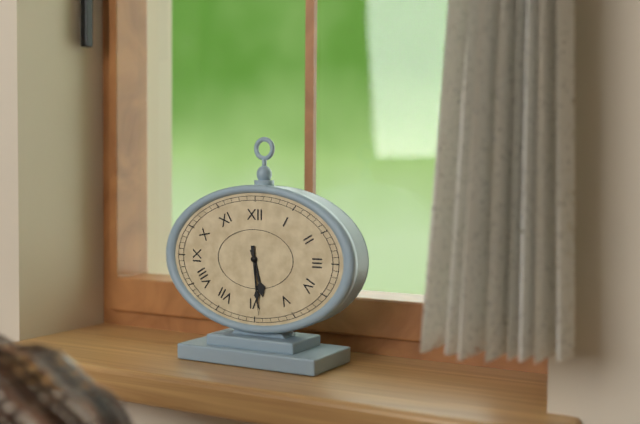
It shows {"hour": 5, "minute": 29}
